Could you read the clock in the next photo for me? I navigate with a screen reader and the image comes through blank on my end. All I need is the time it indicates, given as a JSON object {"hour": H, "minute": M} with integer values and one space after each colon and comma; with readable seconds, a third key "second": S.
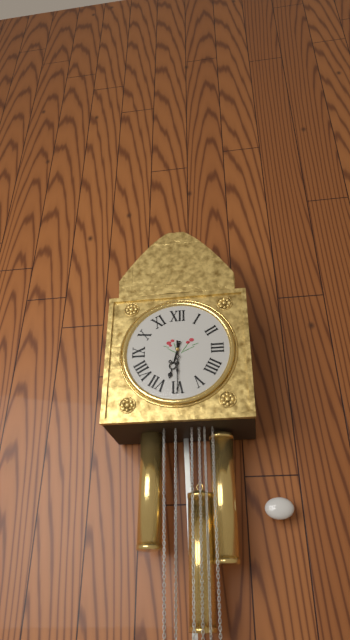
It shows {"hour": 6, "minute": 30}
